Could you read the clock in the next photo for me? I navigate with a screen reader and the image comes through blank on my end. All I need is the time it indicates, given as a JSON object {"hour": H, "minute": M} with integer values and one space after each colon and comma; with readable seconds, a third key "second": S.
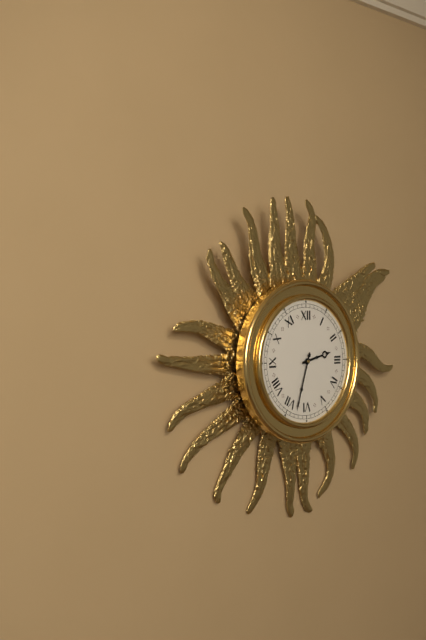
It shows {"hour": 2, "minute": 33}
